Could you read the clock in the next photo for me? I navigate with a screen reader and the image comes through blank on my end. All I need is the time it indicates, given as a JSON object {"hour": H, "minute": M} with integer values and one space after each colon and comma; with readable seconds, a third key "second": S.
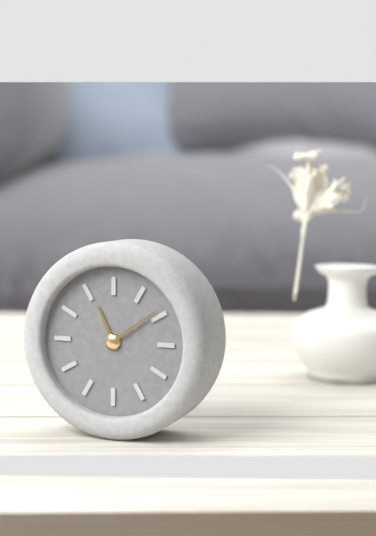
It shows {"hour": 11, "minute": 9}
